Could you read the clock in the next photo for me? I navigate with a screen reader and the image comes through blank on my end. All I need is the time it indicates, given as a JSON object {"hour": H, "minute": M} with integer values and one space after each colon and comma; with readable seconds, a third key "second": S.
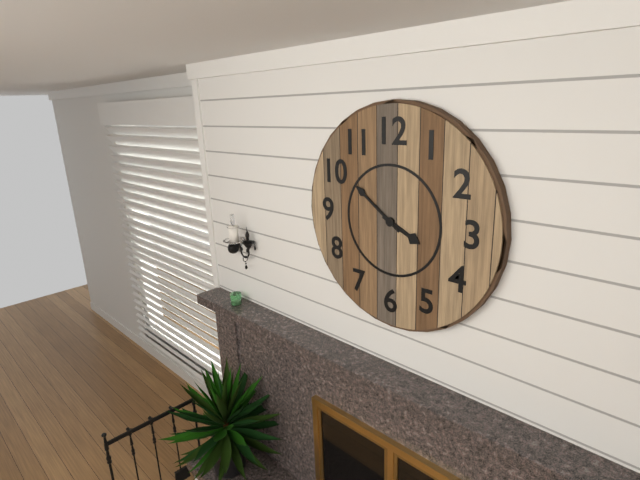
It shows {"hour": 3, "minute": 51}
